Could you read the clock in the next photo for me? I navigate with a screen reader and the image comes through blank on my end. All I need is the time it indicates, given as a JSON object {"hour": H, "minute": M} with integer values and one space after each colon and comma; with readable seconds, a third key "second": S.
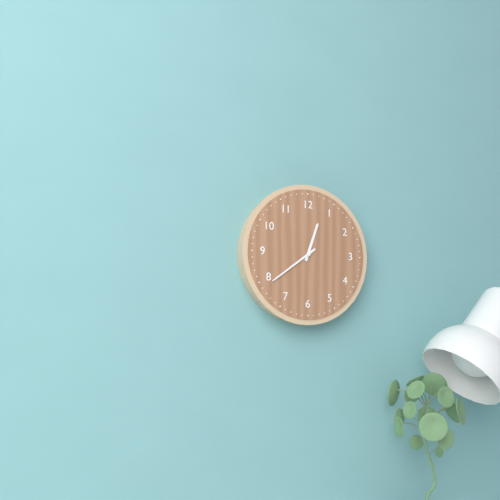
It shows {"hour": 12, "minute": 39}
